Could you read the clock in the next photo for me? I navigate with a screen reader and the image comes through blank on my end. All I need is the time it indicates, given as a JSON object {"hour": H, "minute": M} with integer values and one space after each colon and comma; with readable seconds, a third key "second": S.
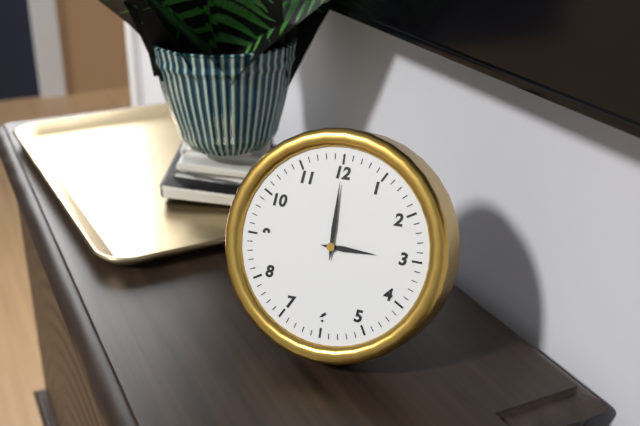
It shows {"hour": 3, "minute": 0}
